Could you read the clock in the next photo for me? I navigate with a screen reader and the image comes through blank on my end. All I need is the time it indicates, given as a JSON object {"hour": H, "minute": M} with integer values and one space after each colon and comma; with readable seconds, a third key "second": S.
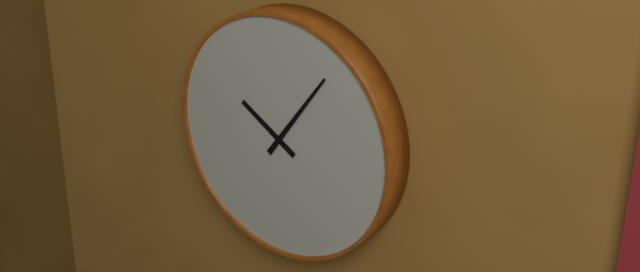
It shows {"hour": 10, "minute": 6}
